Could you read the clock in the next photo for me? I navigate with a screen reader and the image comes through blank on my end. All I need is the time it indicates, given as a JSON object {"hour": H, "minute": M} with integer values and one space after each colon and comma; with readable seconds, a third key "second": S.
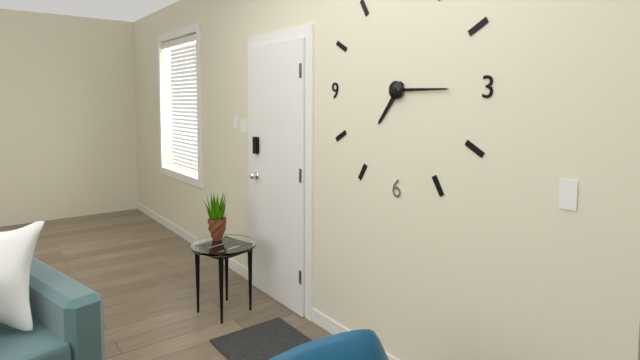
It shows {"hour": 7, "minute": 15}
